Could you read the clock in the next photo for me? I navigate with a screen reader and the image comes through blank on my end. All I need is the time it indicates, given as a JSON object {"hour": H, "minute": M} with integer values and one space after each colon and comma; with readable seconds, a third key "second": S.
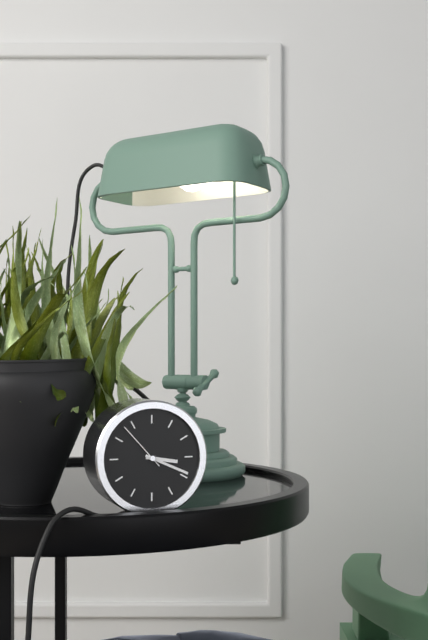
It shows {"hour": 3, "minute": 19}
